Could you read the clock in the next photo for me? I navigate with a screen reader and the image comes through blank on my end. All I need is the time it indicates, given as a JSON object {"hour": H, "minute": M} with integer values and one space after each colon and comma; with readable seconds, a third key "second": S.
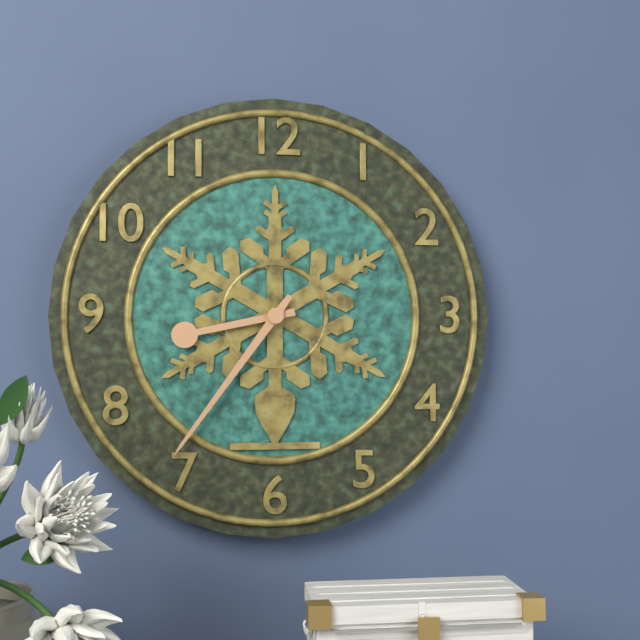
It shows {"hour": 8, "minute": 36}
